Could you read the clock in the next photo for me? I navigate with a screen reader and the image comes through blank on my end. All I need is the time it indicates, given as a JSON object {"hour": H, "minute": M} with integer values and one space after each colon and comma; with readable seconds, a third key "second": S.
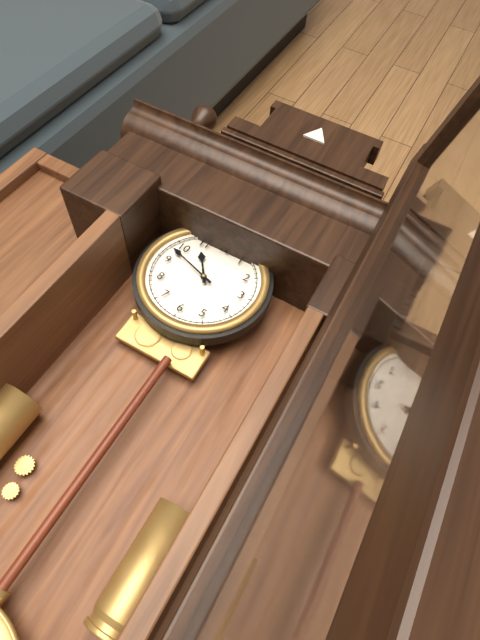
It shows {"hour": 10, "minute": 48}
